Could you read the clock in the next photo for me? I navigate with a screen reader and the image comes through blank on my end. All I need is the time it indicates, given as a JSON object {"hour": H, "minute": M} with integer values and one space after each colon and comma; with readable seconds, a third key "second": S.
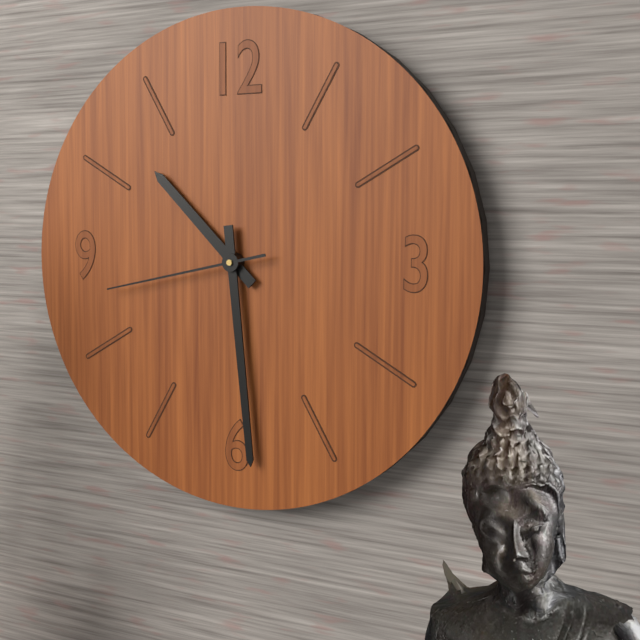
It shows {"hour": 10, "minute": 29, "second": 43}
